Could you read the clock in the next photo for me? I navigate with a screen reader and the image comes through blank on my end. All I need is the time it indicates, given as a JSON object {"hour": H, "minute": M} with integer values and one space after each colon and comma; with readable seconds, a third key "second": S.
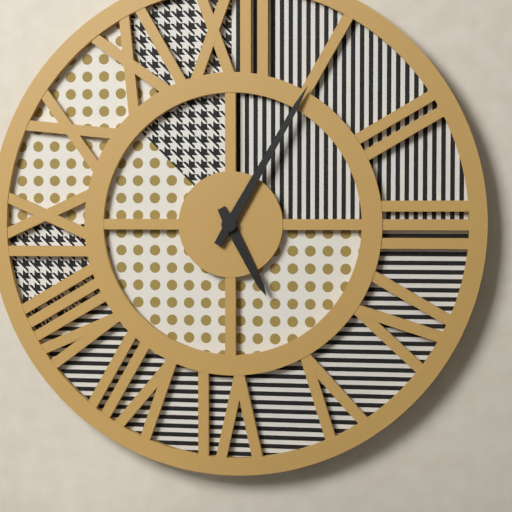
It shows {"hour": 5, "minute": 5}
